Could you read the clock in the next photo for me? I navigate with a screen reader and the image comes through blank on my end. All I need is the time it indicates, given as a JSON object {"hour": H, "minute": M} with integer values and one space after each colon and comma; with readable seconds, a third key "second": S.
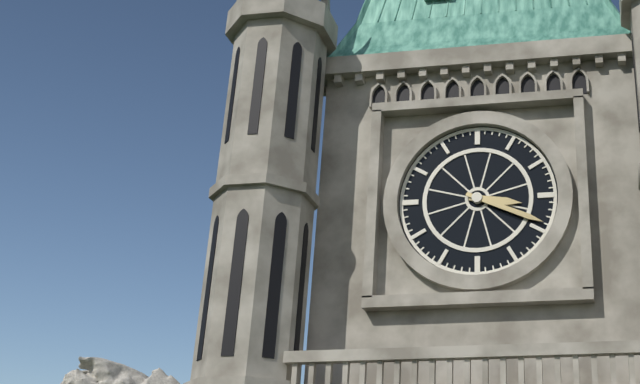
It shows {"hour": 3, "minute": 19}
